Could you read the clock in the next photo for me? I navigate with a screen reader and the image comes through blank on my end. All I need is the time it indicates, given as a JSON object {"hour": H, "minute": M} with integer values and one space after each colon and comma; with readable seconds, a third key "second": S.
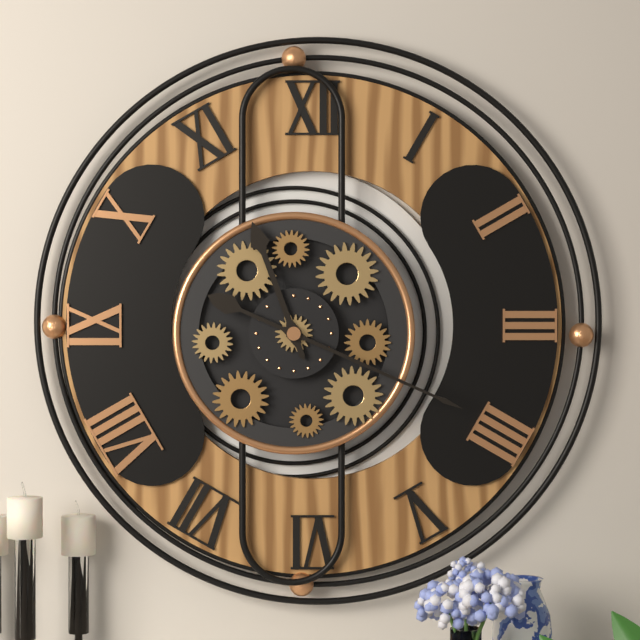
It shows {"hour": 11, "minute": 19}
